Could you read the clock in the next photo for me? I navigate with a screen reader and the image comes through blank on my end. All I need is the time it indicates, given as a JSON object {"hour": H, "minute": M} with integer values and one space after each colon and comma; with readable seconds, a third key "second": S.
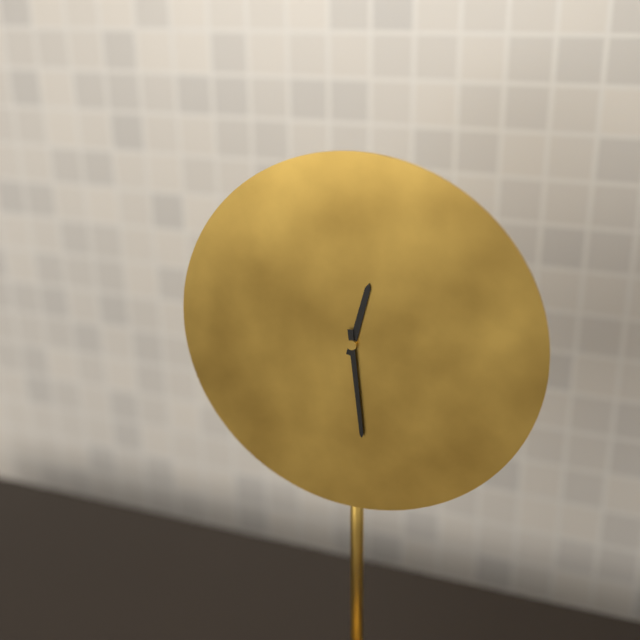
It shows {"hour": 12, "minute": 29}
